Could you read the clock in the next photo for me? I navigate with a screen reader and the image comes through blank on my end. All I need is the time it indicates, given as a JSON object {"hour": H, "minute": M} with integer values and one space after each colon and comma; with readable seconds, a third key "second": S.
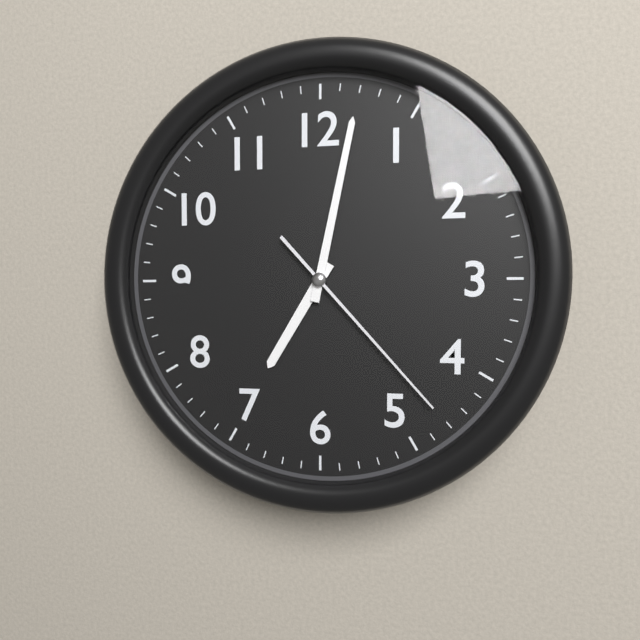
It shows {"hour": 7, "minute": 2, "second": 23}
